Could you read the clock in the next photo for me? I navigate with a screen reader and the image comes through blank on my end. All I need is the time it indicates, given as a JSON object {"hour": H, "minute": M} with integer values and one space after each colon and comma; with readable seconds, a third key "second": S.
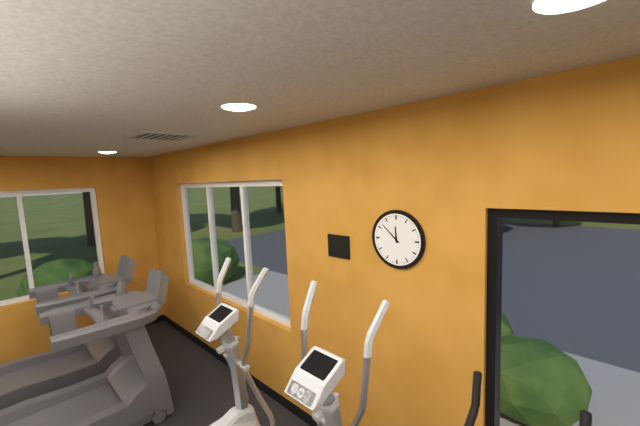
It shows {"hour": 11, "minute": 52}
